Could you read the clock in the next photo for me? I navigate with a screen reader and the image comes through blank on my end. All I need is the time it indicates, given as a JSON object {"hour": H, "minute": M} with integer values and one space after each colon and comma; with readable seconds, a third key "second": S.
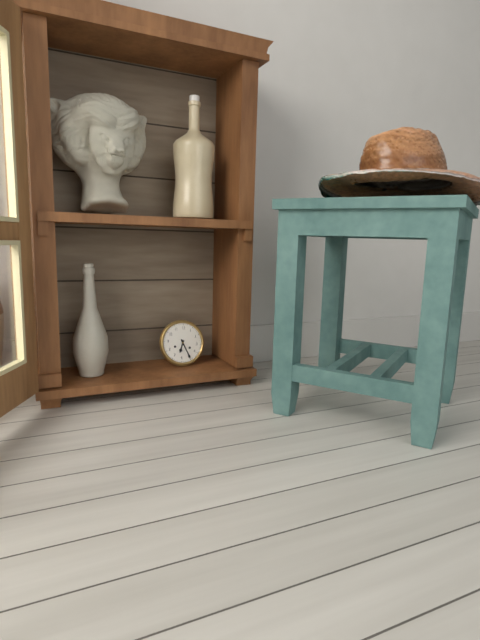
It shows {"hour": 6, "minute": 25}
